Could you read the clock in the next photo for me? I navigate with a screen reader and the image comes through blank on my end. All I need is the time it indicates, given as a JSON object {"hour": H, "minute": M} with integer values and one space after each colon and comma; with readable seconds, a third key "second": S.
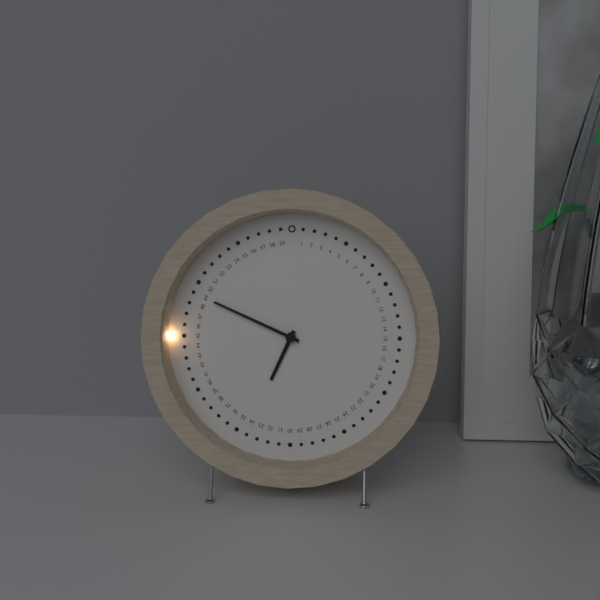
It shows {"hour": 6, "minute": 49}
